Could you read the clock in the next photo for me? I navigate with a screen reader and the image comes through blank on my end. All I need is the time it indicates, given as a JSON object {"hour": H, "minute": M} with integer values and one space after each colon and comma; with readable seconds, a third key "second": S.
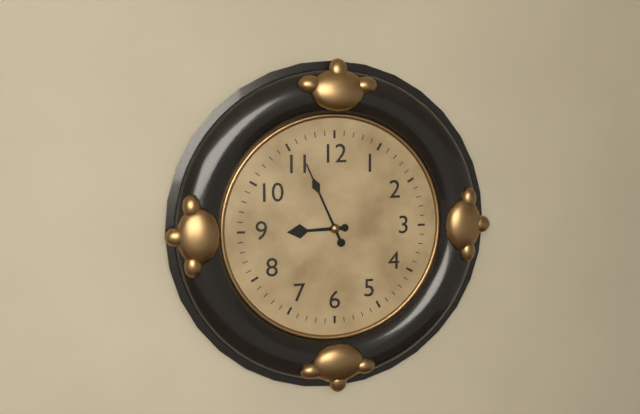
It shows {"hour": 8, "minute": 56}
